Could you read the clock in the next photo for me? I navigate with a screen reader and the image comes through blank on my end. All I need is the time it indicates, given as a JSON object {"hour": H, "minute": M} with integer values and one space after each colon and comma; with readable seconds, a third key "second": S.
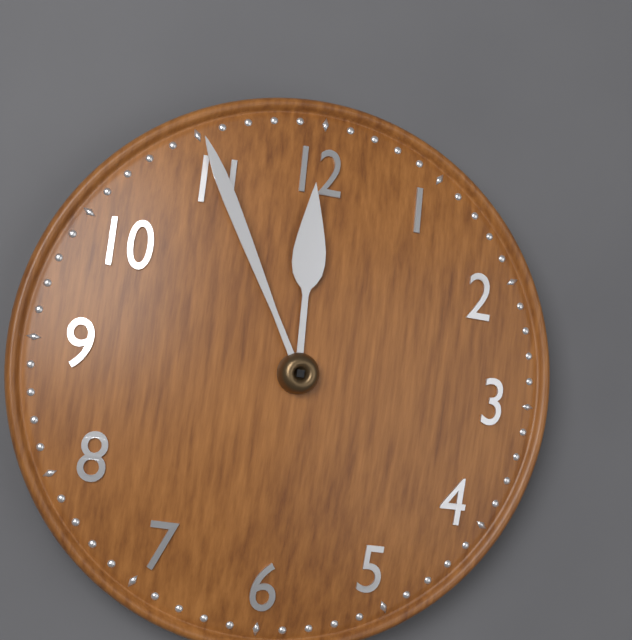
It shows {"hour": 11, "minute": 55}
